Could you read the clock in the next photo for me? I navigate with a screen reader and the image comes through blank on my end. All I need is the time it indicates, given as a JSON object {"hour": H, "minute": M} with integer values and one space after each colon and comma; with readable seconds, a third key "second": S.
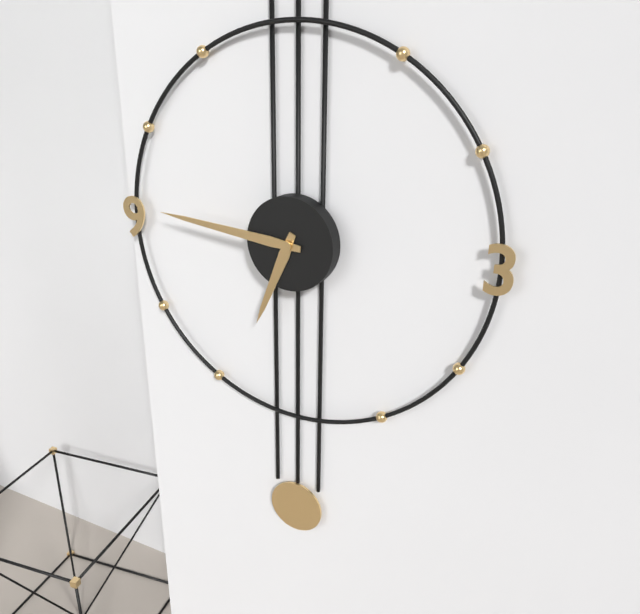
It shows {"hour": 6, "minute": 46}
